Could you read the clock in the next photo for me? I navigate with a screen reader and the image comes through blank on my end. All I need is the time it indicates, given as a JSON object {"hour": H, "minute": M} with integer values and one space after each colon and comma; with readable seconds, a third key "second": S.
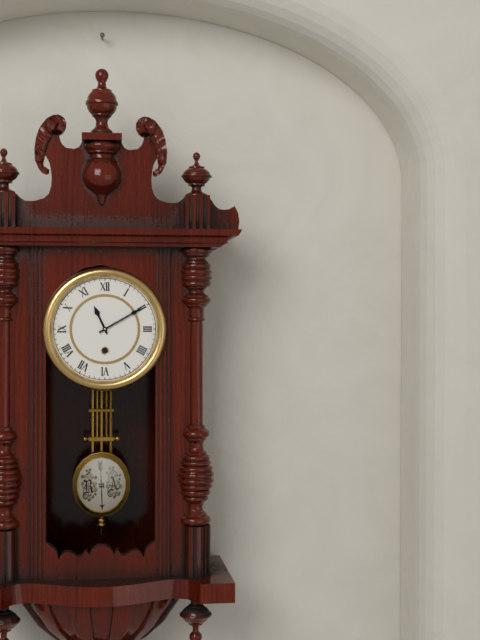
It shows {"hour": 11, "minute": 10}
